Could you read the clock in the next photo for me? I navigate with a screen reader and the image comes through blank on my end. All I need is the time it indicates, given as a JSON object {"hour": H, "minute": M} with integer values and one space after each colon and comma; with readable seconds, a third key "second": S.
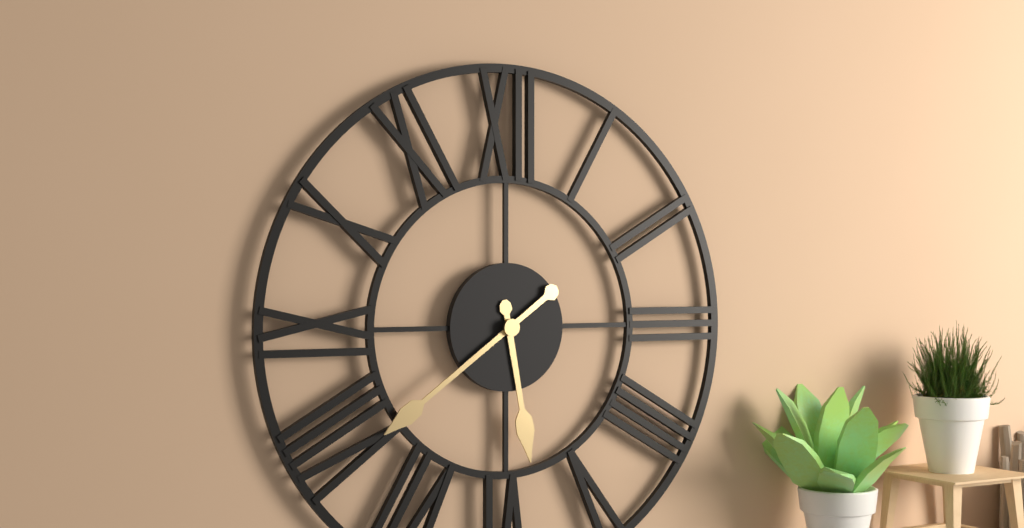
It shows {"hour": 5, "minute": 39}
